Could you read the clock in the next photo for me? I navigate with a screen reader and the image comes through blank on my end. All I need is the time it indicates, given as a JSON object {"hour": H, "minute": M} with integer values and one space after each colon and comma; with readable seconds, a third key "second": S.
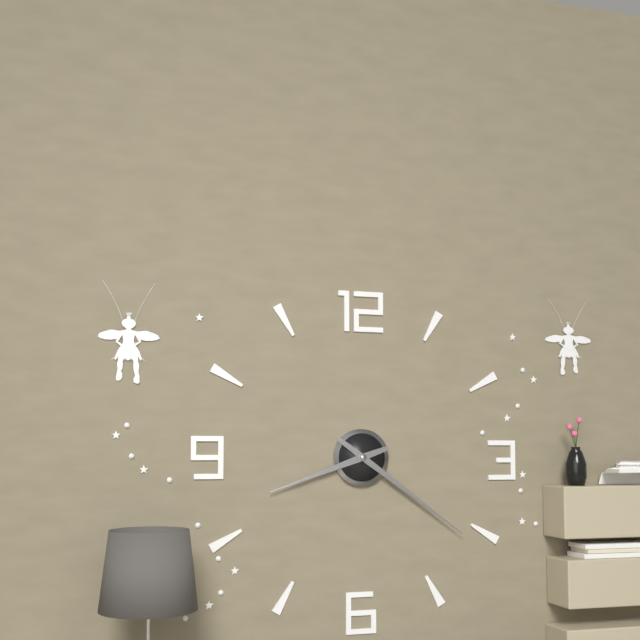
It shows {"hour": 8, "minute": 21}
